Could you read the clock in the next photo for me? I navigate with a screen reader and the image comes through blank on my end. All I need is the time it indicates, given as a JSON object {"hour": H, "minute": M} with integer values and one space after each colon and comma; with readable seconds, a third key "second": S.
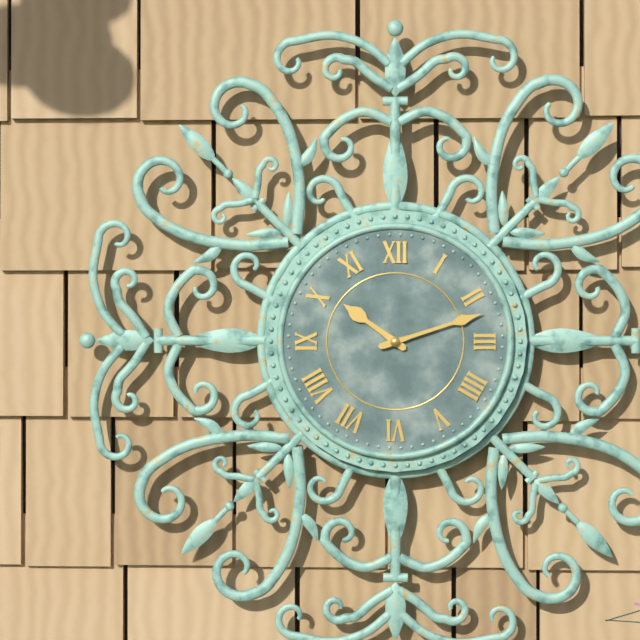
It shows {"hour": 10, "minute": 12}
